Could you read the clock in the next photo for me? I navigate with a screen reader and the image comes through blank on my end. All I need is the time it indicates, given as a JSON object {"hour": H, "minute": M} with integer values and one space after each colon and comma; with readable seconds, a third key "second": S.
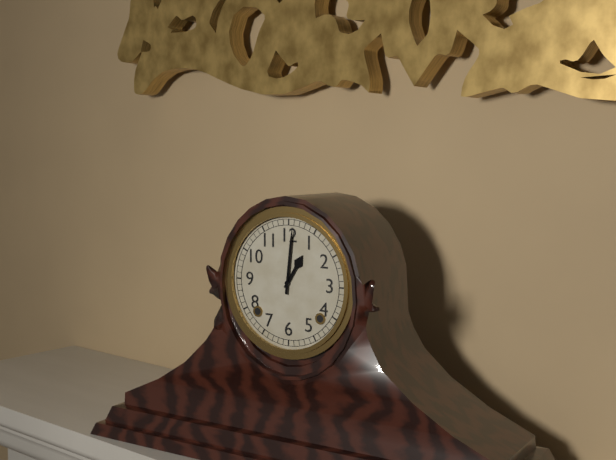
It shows {"hour": 1, "minute": 1}
